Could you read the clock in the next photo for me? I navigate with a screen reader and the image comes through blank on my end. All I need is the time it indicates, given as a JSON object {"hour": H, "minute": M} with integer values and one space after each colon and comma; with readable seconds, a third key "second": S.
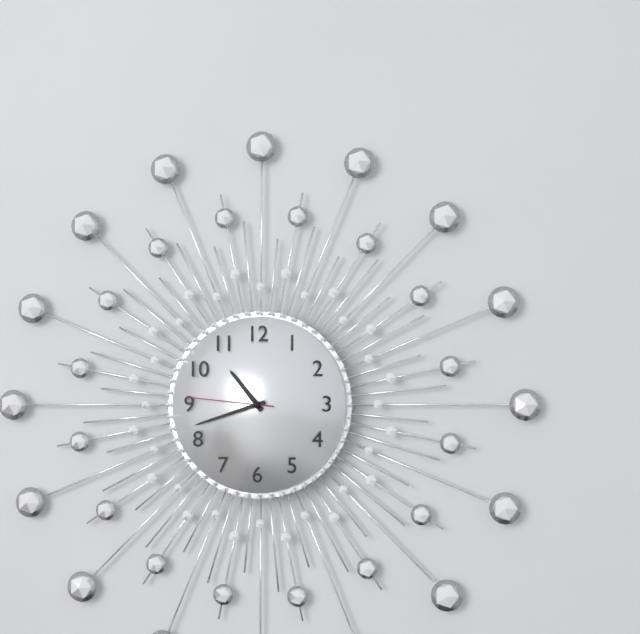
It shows {"hour": 10, "minute": 42, "second": 46}
